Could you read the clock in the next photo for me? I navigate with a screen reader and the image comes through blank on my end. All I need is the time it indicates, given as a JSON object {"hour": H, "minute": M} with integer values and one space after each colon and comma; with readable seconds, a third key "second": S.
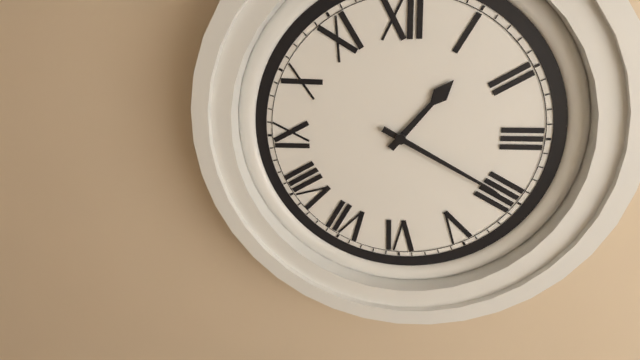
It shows {"hour": 1, "minute": 20}
